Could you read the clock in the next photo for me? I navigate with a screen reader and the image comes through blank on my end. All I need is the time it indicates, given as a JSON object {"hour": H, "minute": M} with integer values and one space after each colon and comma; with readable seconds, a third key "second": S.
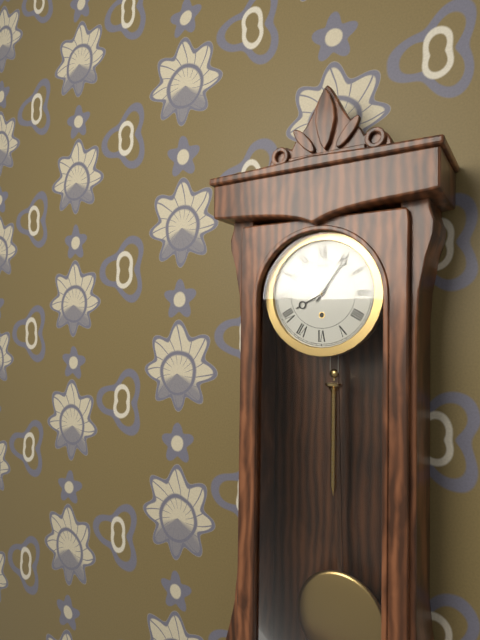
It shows {"hour": 8, "minute": 6}
